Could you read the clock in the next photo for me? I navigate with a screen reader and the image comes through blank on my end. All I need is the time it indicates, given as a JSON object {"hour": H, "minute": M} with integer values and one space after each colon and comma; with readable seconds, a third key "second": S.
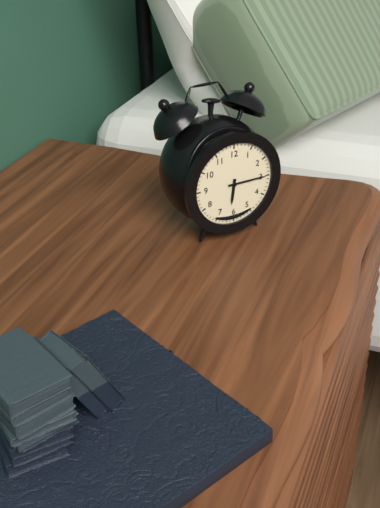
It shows {"hour": 6, "minute": 15}
